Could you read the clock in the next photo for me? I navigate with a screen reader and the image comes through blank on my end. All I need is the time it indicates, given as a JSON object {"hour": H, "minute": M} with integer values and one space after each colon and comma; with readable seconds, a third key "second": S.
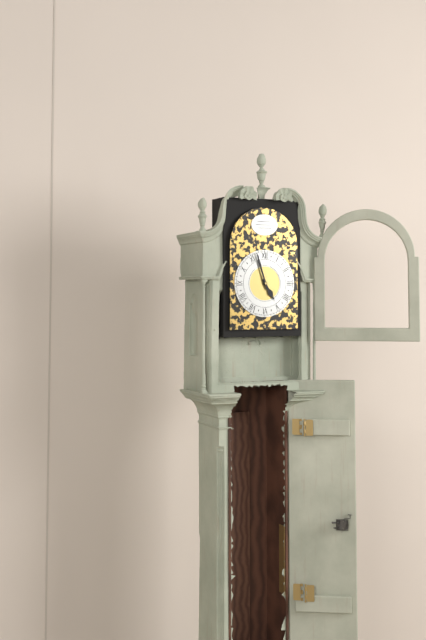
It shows {"hour": 4, "minute": 57}
